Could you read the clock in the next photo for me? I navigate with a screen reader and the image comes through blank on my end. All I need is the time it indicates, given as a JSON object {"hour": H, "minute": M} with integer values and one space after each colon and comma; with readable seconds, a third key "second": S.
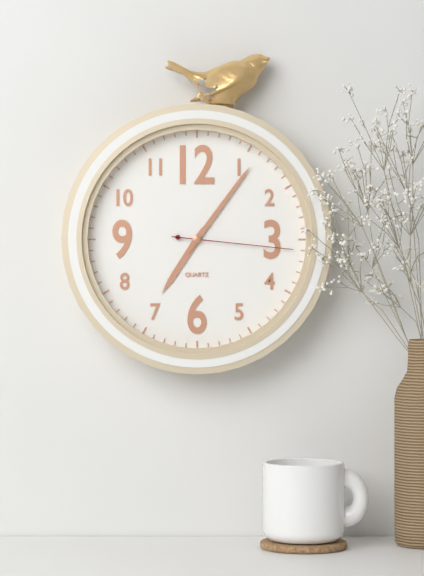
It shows {"hour": 7, "minute": 6, "second": 16}
